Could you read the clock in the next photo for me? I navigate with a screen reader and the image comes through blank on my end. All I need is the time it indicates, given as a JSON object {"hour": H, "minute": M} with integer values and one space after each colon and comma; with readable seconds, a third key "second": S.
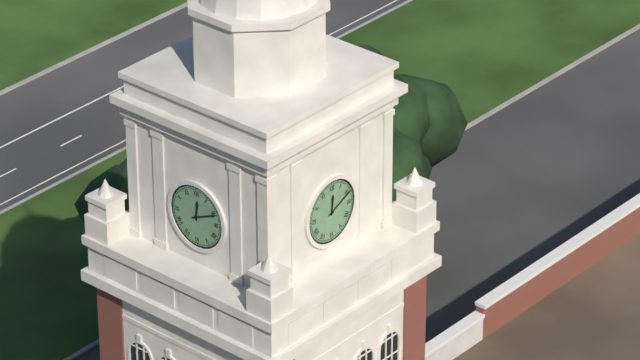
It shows {"hour": 12, "minute": 11}
